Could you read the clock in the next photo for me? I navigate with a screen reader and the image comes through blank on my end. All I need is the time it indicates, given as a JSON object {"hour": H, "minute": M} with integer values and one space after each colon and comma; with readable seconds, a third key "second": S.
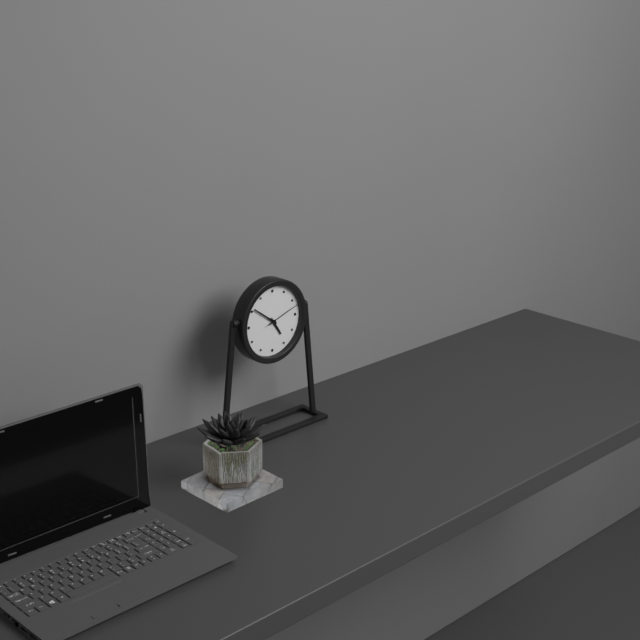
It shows {"hour": 4, "minute": 51}
